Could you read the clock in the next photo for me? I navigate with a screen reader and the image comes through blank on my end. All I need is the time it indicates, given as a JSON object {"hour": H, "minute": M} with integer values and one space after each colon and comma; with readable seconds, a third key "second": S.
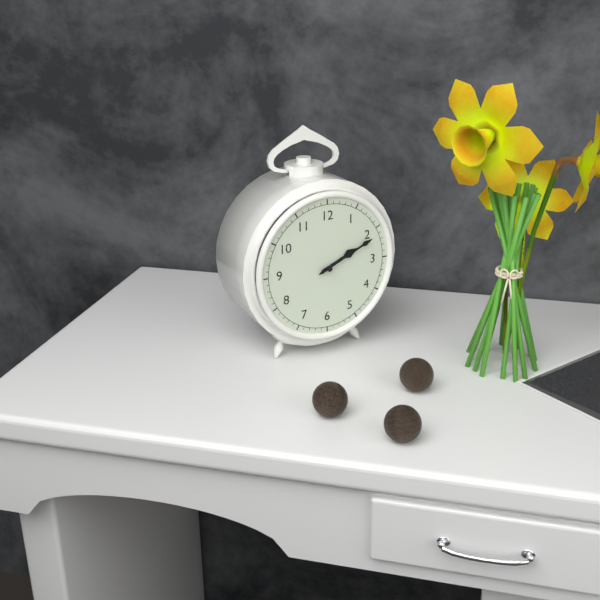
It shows {"hour": 2, "minute": 11}
